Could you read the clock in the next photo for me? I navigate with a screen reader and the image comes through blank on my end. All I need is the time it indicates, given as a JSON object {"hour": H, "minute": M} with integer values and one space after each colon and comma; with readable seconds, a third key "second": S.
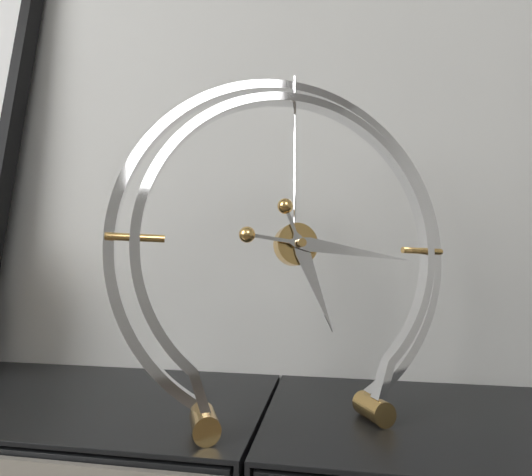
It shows {"hour": 5, "minute": 16}
